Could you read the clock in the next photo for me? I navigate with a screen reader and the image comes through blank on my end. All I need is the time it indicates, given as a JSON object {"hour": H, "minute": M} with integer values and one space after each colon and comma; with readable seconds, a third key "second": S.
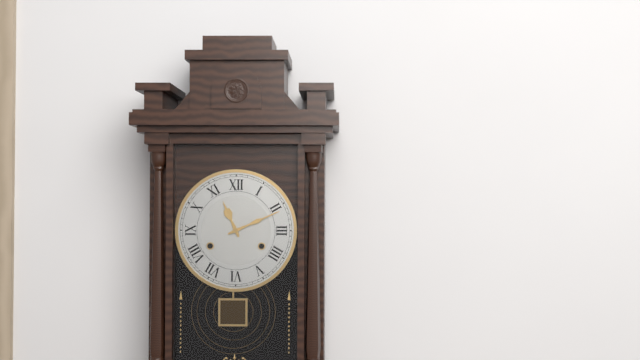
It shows {"hour": 11, "minute": 11}
